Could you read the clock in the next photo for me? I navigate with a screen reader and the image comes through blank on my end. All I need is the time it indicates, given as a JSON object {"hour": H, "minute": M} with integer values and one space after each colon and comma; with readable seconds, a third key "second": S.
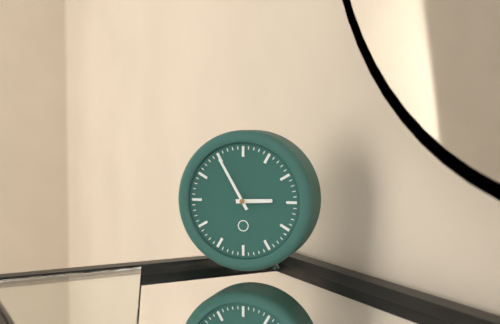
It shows {"hour": 2, "minute": 55}
